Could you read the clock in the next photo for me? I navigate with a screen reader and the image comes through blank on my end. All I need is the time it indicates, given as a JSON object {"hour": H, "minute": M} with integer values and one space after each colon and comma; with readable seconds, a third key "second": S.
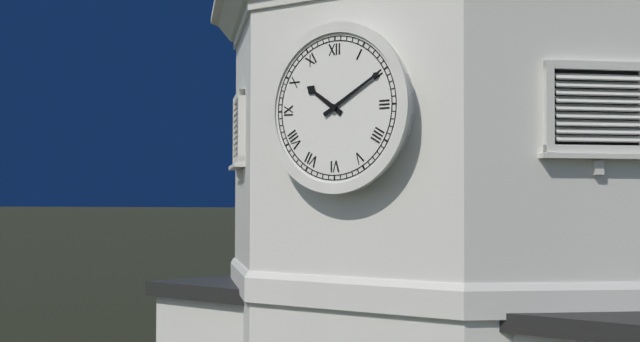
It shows {"hour": 10, "minute": 10}
